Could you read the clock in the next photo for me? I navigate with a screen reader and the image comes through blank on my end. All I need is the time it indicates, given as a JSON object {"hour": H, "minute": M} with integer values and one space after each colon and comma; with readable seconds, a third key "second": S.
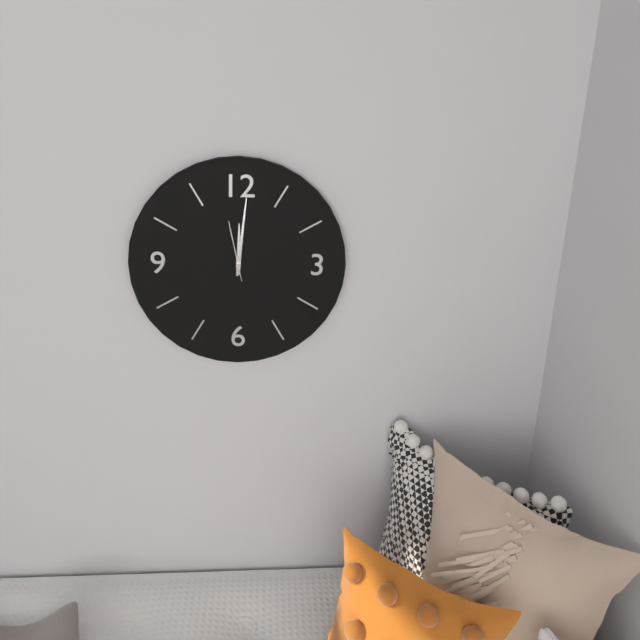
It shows {"hour": 12, "minute": 1, "second": 58}
